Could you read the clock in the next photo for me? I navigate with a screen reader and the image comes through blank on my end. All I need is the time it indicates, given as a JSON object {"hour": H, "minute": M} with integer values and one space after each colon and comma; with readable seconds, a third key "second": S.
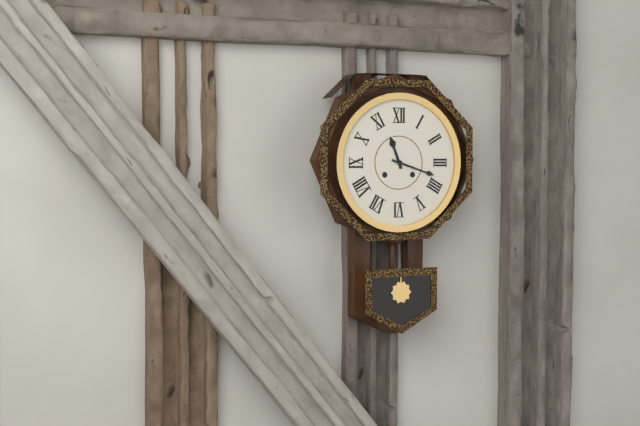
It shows {"hour": 11, "minute": 18}
